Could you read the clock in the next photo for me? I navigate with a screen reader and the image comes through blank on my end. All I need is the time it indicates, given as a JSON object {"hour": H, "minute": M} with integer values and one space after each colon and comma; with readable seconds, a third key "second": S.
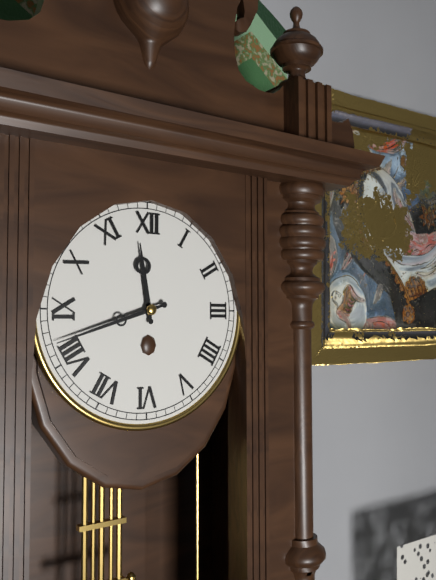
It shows {"hour": 11, "minute": 42}
